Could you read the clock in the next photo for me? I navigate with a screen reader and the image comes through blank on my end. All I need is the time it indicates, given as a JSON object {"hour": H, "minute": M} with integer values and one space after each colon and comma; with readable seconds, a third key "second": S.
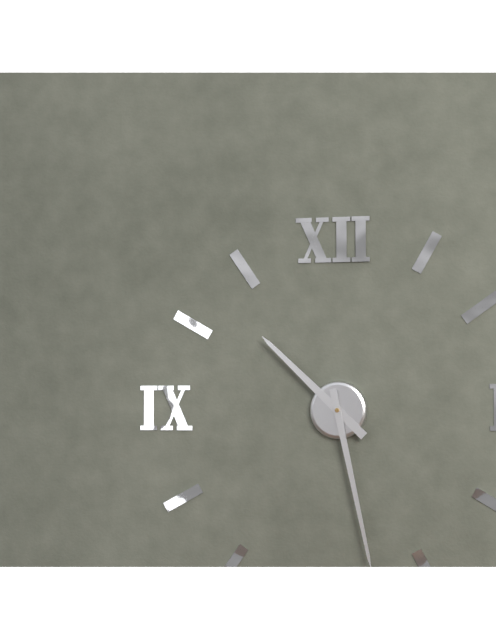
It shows {"hour": 10, "minute": 28}
